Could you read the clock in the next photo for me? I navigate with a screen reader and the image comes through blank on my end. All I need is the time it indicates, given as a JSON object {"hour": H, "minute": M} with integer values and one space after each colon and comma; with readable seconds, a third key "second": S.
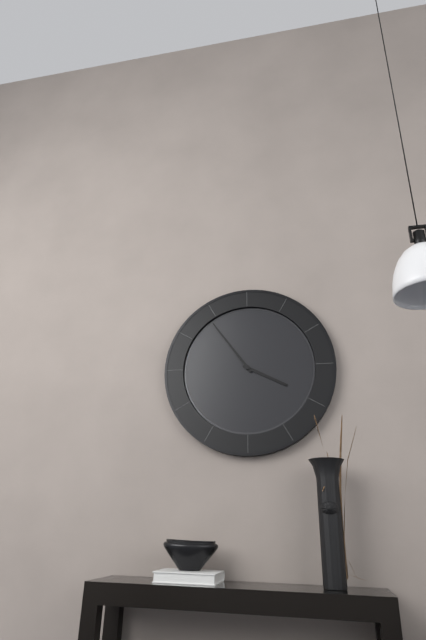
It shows {"hour": 3, "minute": 54}
